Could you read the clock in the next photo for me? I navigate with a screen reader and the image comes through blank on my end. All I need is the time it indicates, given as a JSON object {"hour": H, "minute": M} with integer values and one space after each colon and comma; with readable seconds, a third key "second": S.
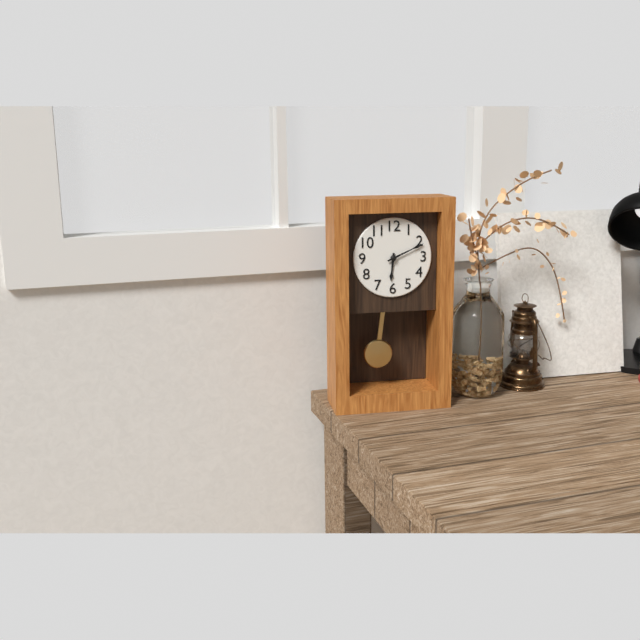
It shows {"hour": 6, "minute": 11}
